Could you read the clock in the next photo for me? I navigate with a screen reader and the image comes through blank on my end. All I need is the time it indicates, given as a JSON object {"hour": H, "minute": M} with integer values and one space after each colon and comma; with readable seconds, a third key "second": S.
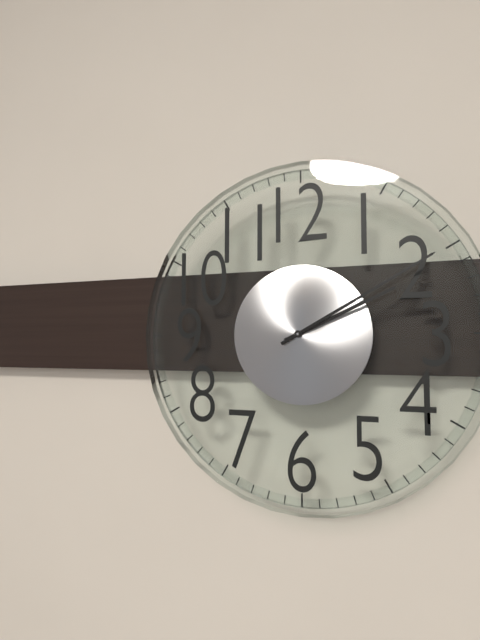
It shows {"hour": 2, "minute": 10}
